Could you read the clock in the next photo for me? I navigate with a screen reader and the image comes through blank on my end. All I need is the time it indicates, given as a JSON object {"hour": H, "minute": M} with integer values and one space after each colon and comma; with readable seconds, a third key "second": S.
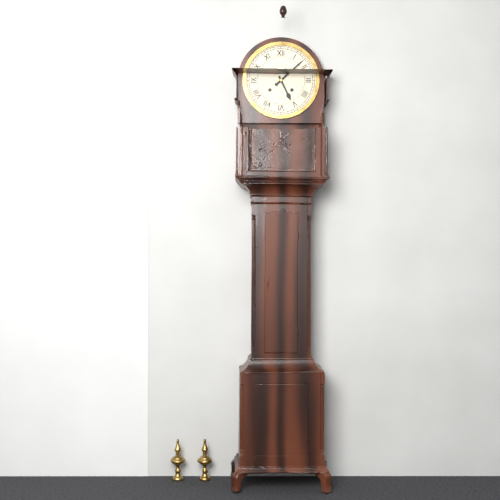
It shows {"hour": 5, "minute": 8}
